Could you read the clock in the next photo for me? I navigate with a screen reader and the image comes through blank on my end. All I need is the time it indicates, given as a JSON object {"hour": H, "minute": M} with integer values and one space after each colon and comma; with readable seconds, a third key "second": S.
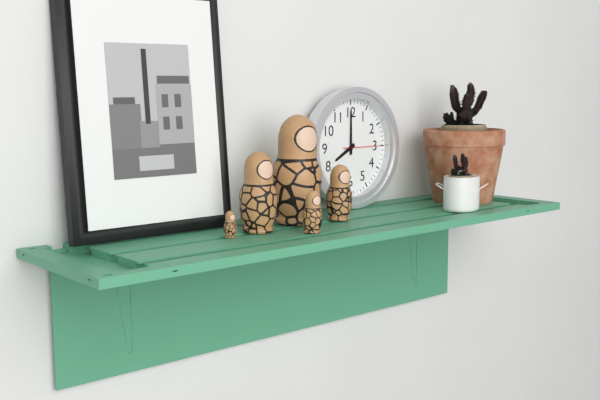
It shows {"hour": 8, "minute": 0}
